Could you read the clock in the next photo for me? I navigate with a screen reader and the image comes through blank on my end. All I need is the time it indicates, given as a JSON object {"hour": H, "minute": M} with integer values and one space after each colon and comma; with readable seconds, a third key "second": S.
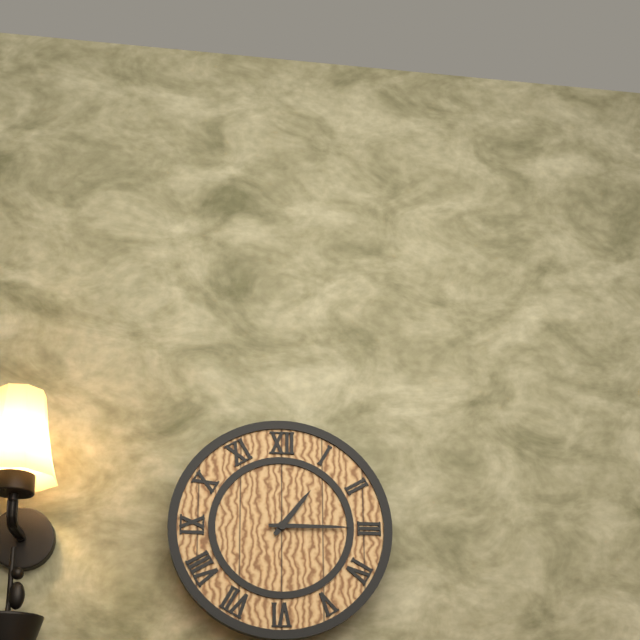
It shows {"hour": 1, "minute": 15}
